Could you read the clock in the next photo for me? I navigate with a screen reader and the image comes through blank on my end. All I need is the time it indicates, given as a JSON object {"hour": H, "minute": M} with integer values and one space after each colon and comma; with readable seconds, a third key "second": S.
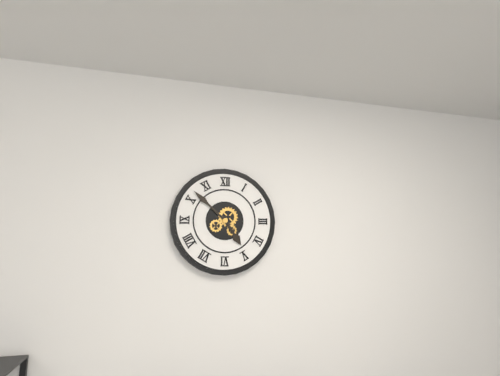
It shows {"hour": 4, "minute": 52}
